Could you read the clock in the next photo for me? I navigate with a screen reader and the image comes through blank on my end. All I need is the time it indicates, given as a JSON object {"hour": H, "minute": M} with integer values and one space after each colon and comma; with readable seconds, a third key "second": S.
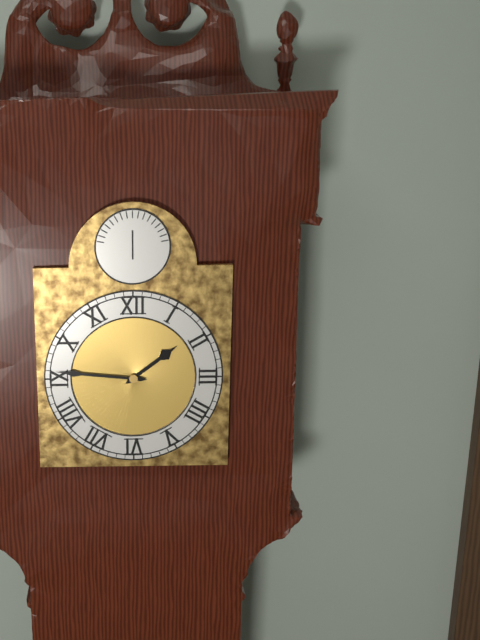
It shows {"hour": 1, "minute": 46}
